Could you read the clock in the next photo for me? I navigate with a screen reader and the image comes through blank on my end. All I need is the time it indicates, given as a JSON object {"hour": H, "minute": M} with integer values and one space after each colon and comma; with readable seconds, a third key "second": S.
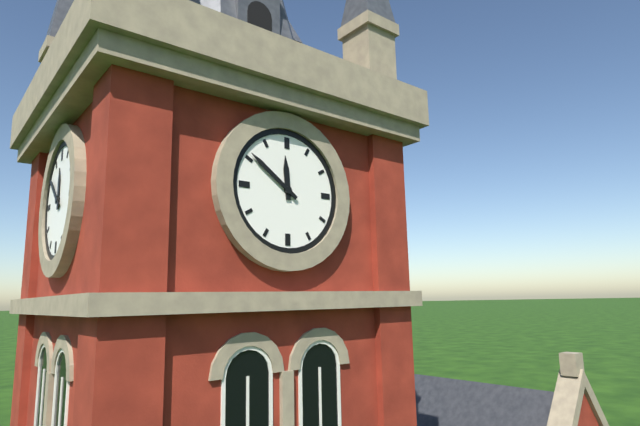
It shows {"hour": 11, "minute": 51}
